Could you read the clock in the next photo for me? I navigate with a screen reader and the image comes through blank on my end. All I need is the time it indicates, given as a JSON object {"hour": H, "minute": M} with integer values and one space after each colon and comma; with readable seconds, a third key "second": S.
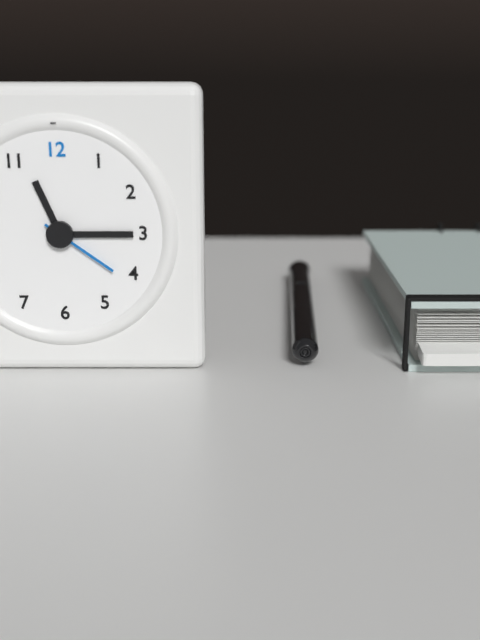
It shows {"hour": 11, "minute": 15, "second": 21}
